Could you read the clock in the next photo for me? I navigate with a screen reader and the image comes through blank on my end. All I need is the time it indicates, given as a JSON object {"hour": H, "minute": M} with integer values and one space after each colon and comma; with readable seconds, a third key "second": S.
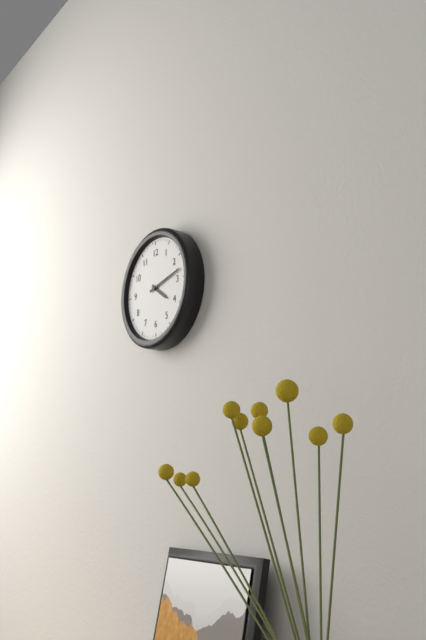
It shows {"hour": 4, "minute": 13}
